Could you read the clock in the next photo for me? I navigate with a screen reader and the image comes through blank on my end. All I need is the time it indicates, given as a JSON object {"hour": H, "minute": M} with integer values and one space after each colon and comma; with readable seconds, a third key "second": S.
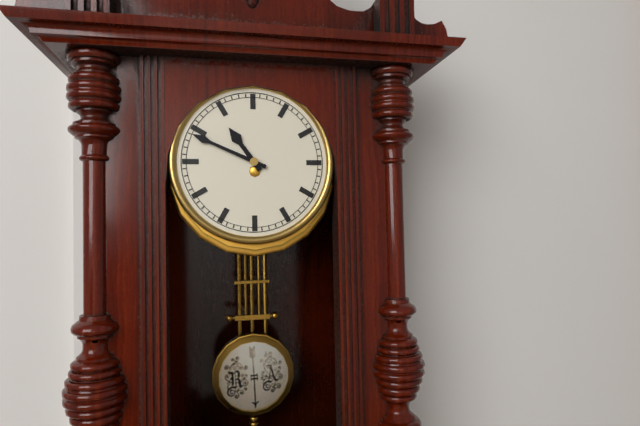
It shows {"hour": 10, "minute": 49}
